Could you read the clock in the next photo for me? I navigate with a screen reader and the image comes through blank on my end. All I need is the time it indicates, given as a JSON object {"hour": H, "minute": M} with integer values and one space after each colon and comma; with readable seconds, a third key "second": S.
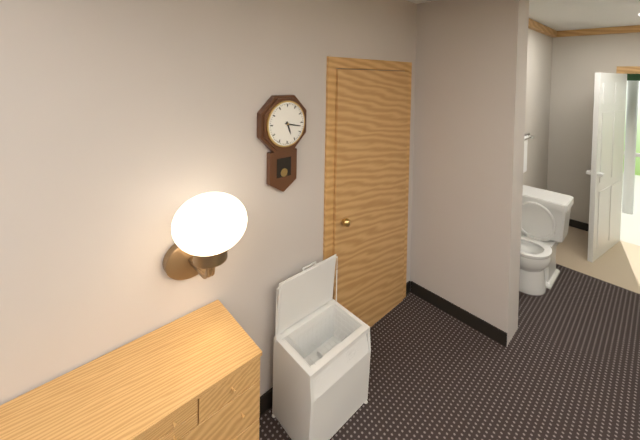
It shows {"hour": 5, "minute": 17}
